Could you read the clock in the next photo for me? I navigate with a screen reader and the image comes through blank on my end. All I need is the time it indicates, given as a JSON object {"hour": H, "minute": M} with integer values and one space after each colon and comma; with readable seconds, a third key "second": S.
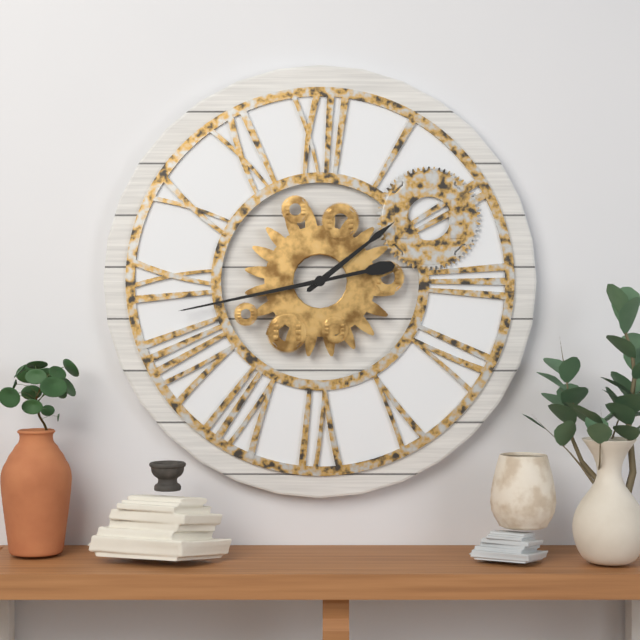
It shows {"hour": 1, "minute": 43}
